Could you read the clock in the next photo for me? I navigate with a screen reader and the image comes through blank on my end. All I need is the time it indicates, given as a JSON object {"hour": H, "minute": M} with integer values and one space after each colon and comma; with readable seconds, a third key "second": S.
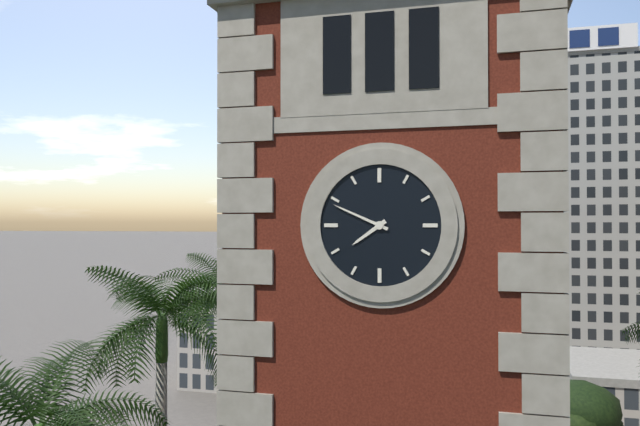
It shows {"hour": 7, "minute": 49}
